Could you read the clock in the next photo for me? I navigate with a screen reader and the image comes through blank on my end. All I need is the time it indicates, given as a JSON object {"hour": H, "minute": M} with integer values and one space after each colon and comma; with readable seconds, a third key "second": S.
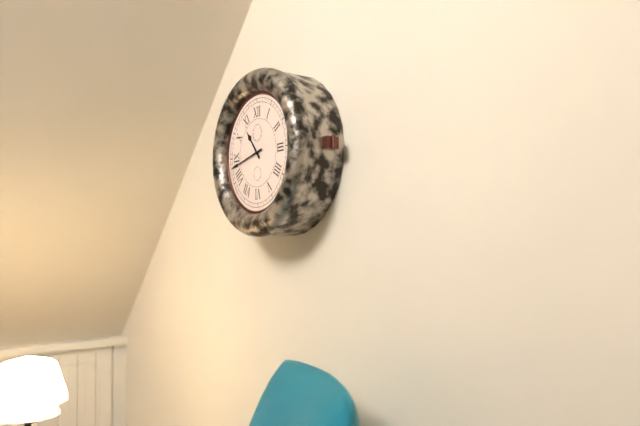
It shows {"hour": 10, "minute": 43}
